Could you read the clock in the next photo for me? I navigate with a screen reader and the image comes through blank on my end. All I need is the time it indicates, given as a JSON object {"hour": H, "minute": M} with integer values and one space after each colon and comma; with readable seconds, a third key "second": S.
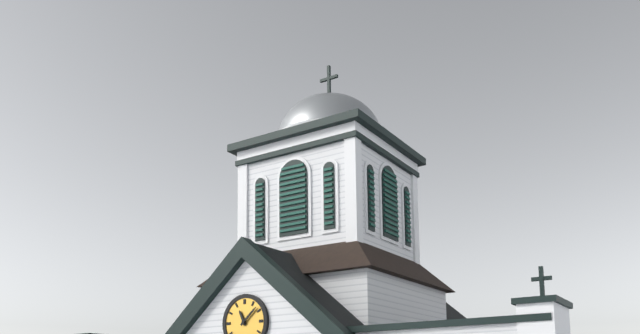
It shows {"hour": 11, "minute": 8}
